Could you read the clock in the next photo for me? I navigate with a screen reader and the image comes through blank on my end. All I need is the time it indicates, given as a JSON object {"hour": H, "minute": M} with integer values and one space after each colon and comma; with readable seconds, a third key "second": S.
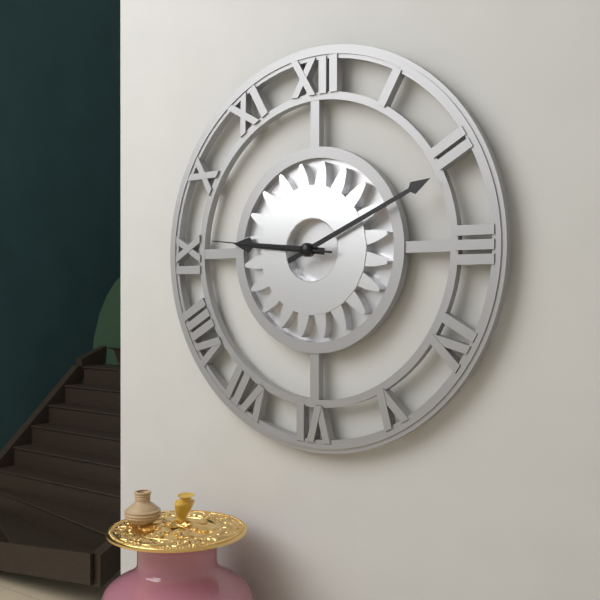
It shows {"hour": 9, "minute": 11, "second": 46}
